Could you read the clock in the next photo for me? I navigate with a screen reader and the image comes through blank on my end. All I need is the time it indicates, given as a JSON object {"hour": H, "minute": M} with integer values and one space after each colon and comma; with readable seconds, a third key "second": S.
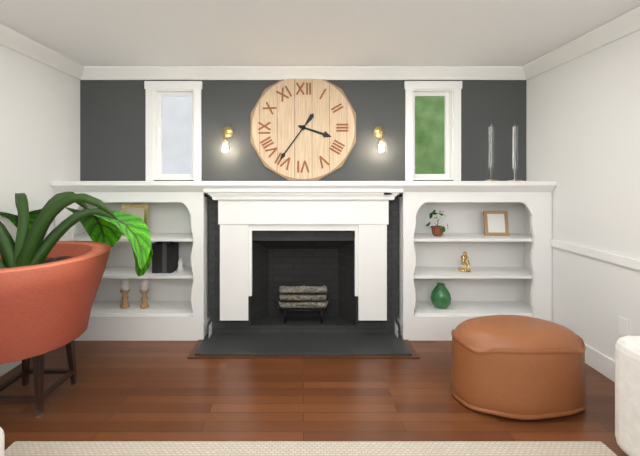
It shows {"hour": 3, "minute": 36}
